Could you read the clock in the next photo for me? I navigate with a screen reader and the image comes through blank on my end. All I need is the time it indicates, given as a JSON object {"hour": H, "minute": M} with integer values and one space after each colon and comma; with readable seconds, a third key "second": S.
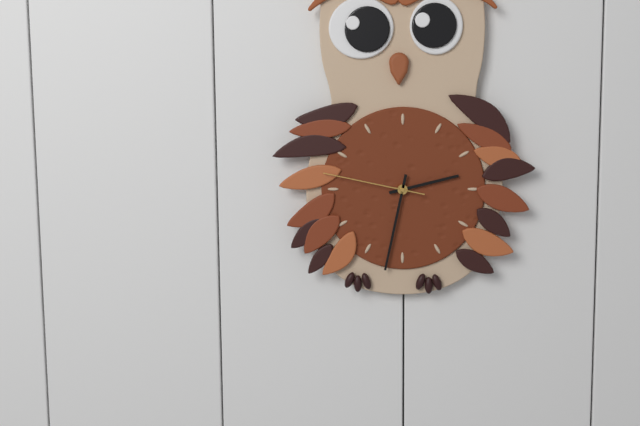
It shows {"hour": 2, "minute": 32, "second": 47}
